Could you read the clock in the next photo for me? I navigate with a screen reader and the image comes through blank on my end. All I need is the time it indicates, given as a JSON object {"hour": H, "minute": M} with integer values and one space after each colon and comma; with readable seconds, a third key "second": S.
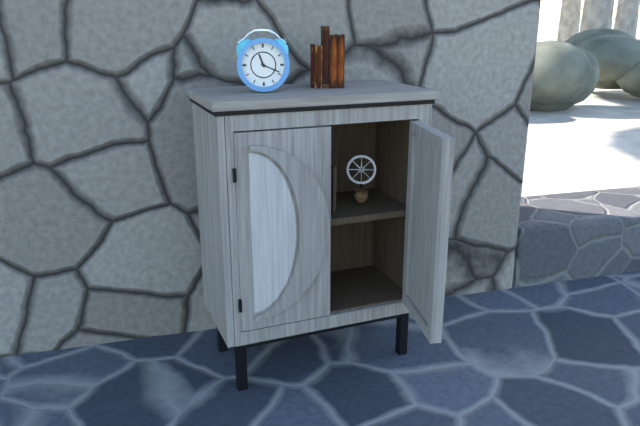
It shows {"hour": 11, "minute": 19}
